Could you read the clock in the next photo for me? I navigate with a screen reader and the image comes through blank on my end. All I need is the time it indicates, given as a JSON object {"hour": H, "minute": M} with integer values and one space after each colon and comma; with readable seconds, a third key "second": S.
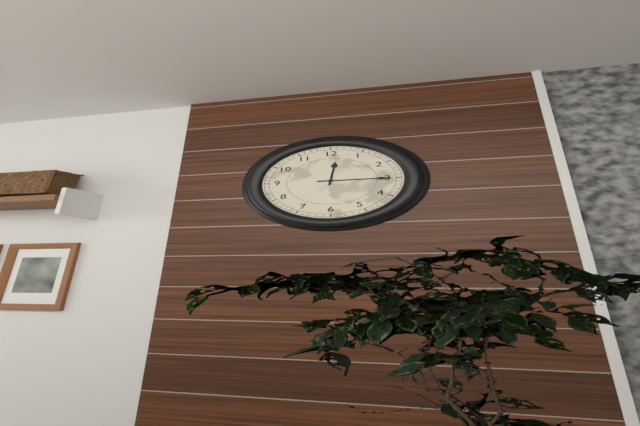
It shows {"hour": 12, "minute": 15}
